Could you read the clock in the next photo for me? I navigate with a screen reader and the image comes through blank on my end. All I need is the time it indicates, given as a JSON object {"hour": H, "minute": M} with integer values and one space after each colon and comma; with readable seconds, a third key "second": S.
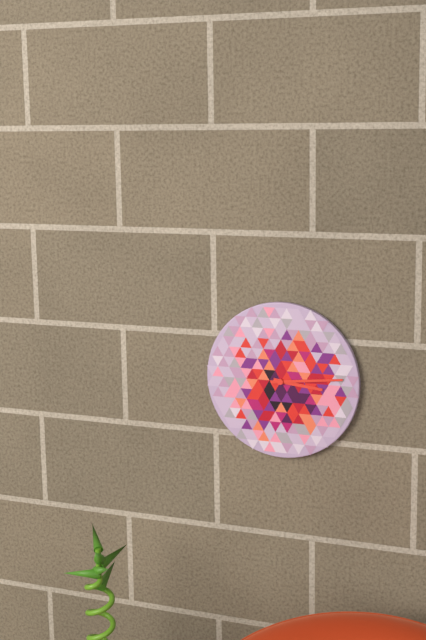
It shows {"hour": 3, "minute": 14}
